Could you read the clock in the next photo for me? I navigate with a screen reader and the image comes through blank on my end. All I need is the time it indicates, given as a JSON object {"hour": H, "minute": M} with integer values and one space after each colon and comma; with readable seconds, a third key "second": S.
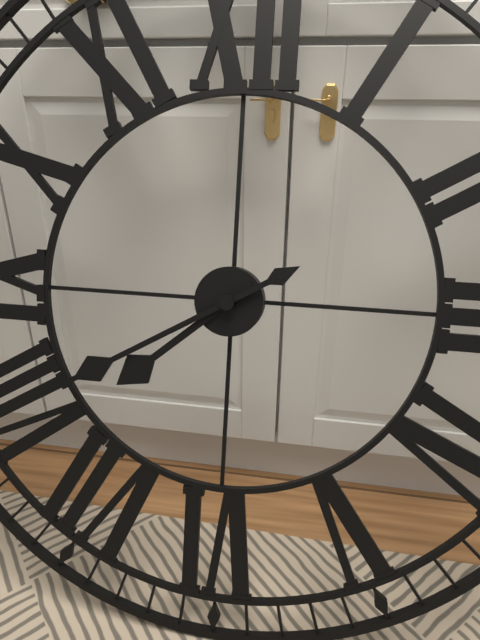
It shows {"hour": 7, "minute": 40}
